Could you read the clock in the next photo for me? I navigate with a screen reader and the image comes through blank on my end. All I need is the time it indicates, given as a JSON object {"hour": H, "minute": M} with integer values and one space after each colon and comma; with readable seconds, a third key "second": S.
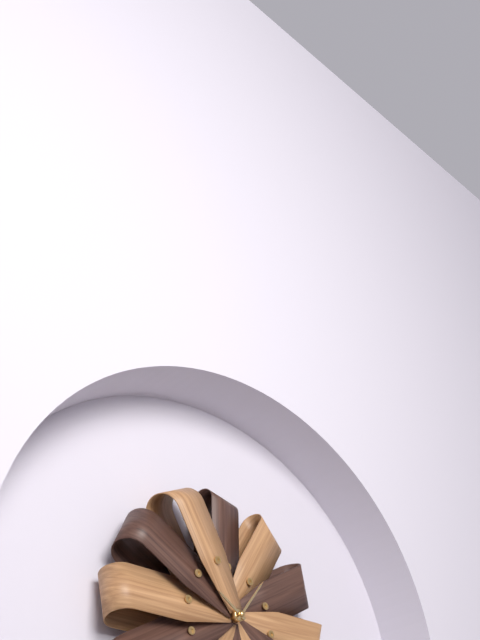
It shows {"hour": 10, "minute": 6}
